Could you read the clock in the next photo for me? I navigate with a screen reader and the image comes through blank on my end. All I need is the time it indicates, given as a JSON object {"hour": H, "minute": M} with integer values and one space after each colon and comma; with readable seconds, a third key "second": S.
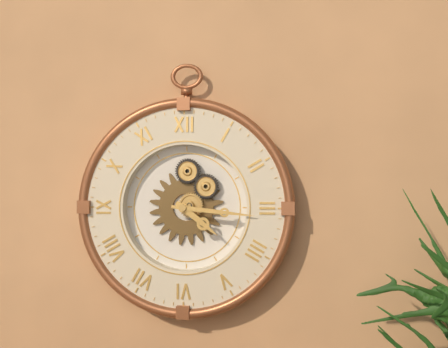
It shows {"hour": 4, "minute": 16}
